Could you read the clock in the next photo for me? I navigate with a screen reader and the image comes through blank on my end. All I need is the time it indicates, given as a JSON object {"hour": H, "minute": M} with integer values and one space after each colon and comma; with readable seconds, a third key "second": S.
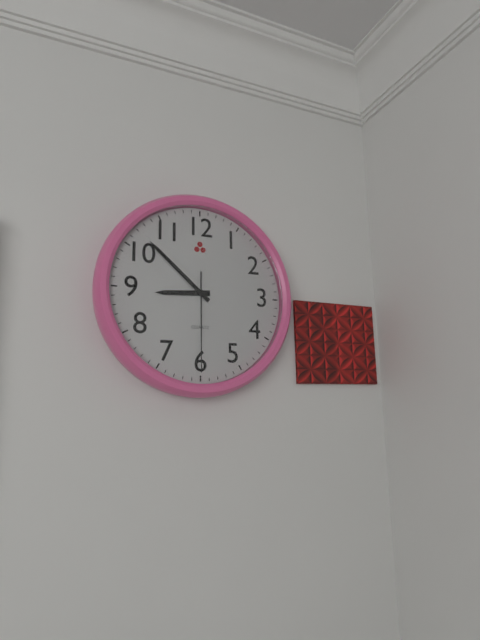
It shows {"hour": 8, "minute": 52, "second": 30}
